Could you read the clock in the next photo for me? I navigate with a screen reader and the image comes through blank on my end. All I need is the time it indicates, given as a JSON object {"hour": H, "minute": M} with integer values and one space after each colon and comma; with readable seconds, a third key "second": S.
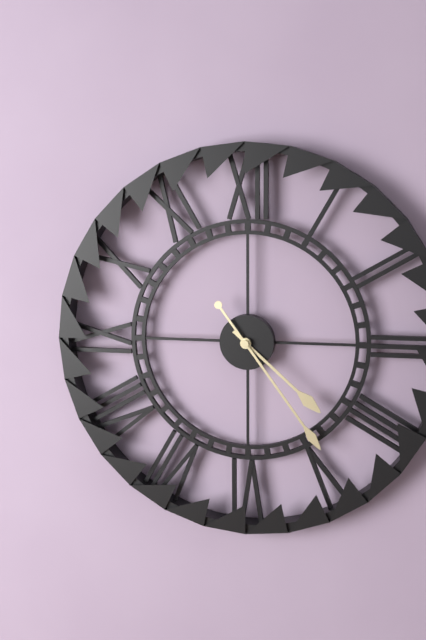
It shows {"hour": 4, "minute": 24}
